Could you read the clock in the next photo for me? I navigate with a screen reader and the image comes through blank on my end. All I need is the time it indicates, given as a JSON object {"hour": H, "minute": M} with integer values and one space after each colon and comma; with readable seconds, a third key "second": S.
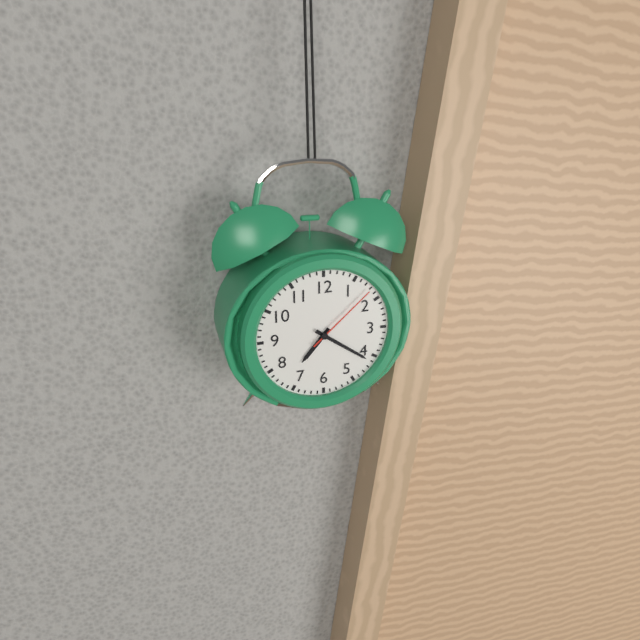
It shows {"hour": 7, "minute": 21, "second": 8}
